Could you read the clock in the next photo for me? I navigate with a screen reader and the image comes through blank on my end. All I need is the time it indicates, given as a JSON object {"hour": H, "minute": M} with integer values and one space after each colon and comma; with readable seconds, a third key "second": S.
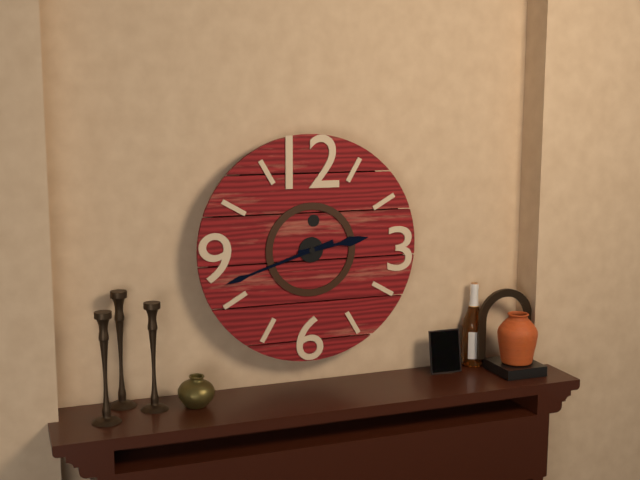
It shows {"hour": 2, "minute": 42}
